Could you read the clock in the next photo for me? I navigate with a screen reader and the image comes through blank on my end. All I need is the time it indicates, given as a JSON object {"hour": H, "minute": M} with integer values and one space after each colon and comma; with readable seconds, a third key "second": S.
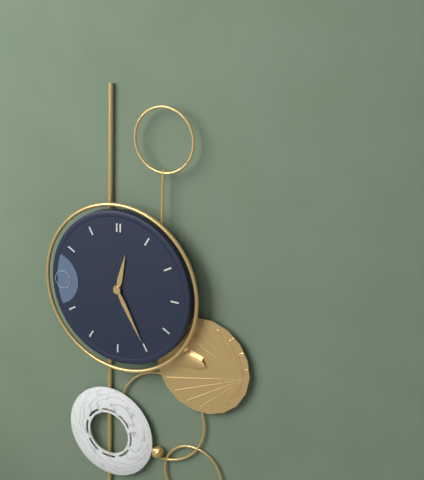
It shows {"hour": 12, "minute": 25}
